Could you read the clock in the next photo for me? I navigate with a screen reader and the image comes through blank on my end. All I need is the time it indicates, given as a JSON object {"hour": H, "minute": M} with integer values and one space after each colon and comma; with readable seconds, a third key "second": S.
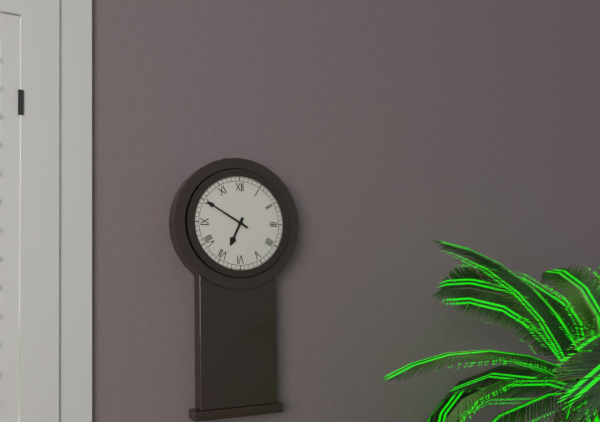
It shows {"hour": 6, "minute": 50}
